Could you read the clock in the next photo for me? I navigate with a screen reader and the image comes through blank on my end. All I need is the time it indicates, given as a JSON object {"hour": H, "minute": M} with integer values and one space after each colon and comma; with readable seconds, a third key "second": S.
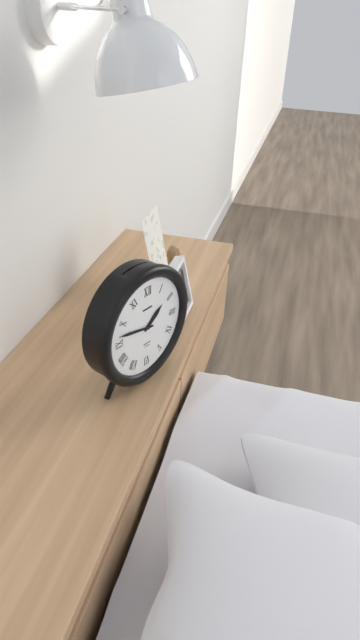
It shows {"hour": 1, "minute": 47}
